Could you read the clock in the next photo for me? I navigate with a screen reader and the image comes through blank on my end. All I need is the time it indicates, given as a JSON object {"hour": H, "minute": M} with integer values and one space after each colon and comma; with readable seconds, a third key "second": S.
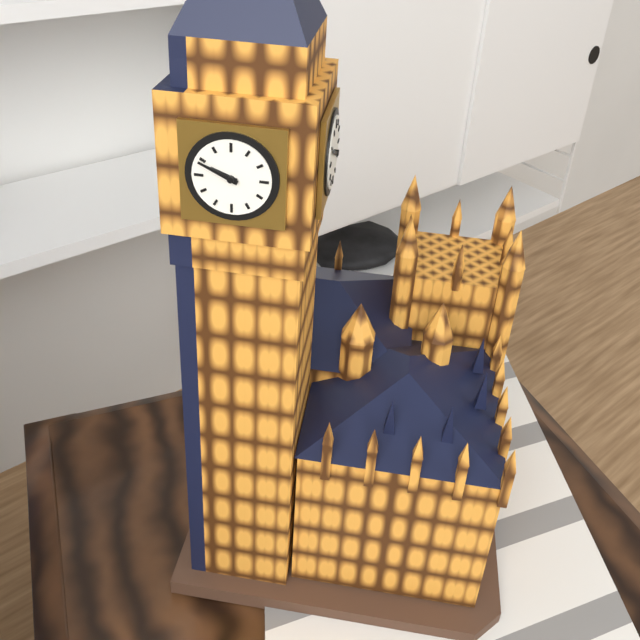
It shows {"hour": 9, "minute": 49}
